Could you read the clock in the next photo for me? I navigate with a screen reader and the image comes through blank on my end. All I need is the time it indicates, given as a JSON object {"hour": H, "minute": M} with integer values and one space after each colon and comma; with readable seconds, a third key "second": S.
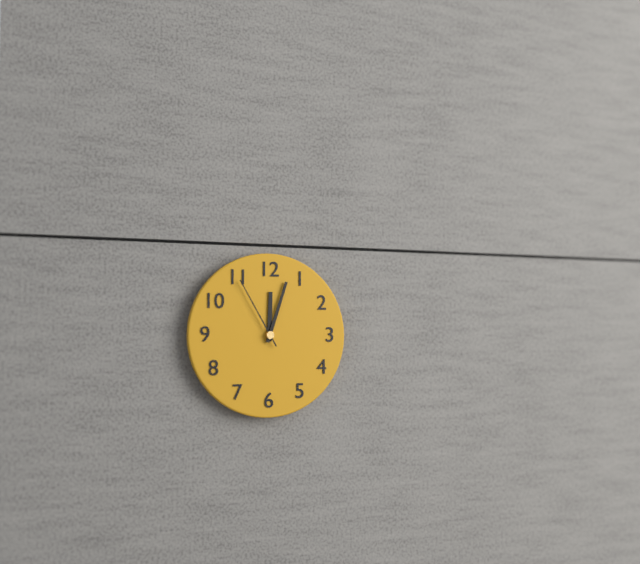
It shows {"hour": 12, "minute": 3, "second": 55}
